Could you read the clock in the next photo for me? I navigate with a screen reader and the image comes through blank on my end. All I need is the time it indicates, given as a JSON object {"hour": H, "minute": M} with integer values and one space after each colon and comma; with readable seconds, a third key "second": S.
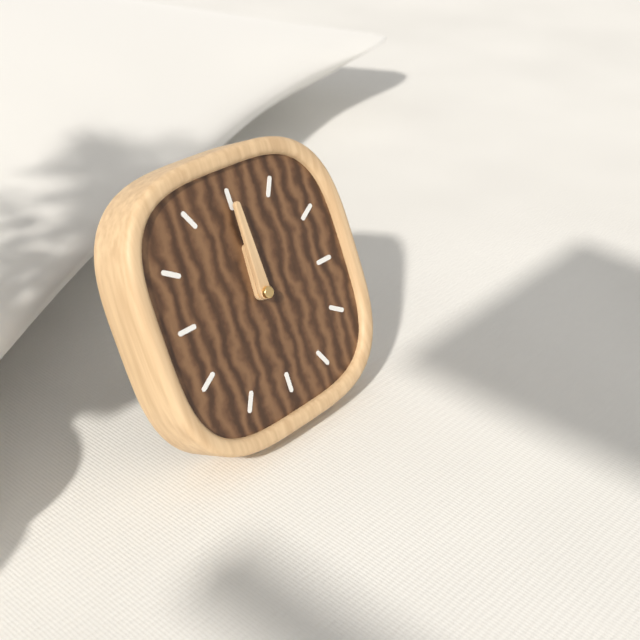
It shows {"hour": 12, "minute": 0}
